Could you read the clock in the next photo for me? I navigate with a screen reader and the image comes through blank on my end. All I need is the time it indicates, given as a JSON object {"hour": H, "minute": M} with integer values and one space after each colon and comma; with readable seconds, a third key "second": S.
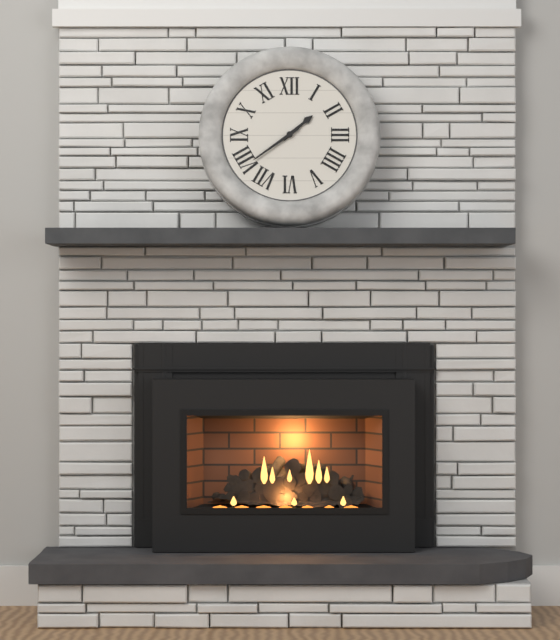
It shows {"hour": 1, "minute": 39}
